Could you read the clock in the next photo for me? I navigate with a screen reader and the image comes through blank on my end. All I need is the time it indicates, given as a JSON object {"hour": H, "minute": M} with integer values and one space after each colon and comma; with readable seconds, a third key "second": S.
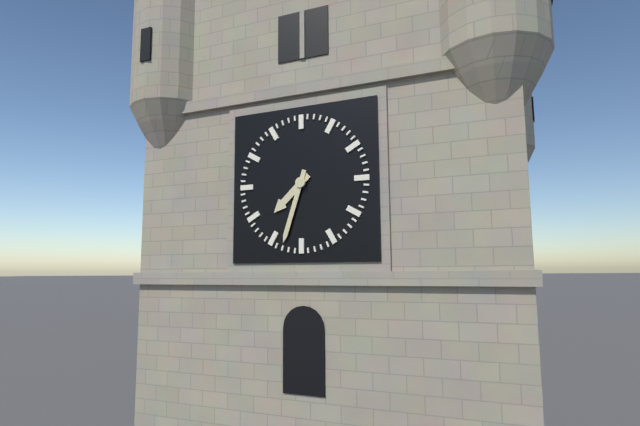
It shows {"hour": 7, "minute": 33}
